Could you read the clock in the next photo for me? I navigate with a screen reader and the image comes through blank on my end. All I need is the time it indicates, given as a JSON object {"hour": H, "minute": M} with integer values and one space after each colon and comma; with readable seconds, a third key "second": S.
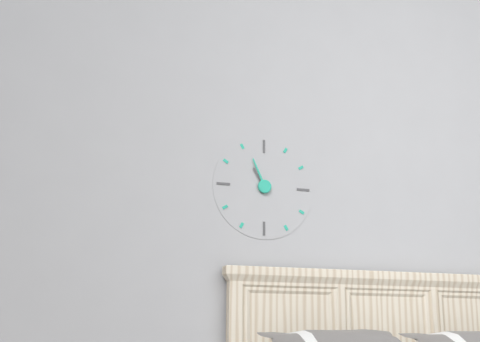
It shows {"hour": 10, "minute": 56}
